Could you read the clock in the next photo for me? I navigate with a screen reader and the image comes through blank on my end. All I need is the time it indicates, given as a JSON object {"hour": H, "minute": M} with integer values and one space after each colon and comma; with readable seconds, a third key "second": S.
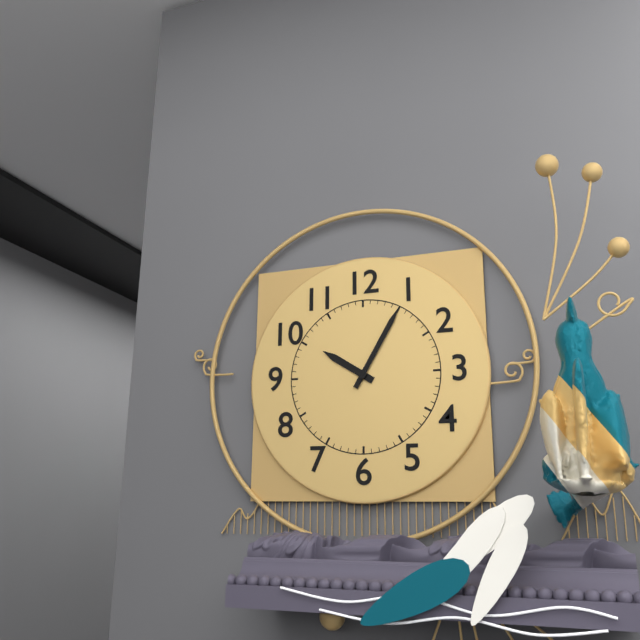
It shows {"hour": 10, "minute": 5}
